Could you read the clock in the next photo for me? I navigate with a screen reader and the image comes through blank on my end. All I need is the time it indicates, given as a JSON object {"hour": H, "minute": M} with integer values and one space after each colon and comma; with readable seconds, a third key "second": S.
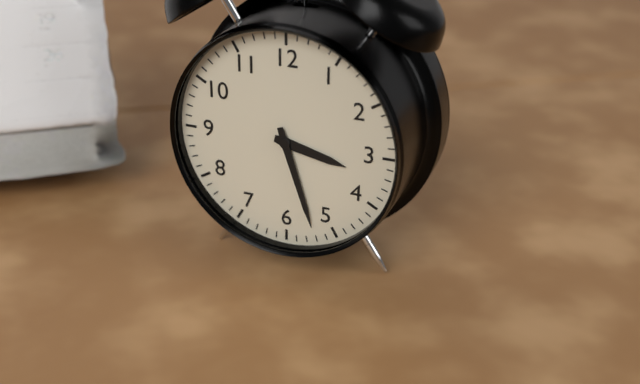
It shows {"hour": 3, "minute": 27}
